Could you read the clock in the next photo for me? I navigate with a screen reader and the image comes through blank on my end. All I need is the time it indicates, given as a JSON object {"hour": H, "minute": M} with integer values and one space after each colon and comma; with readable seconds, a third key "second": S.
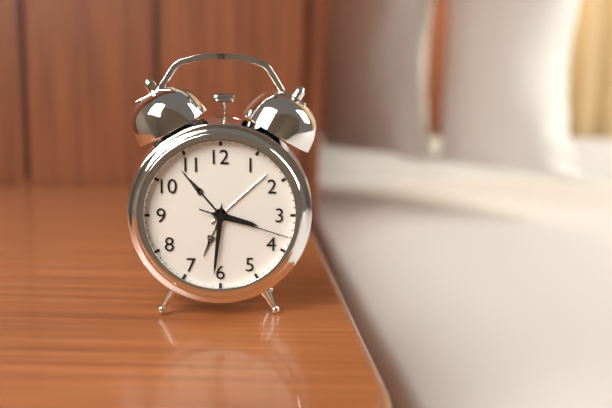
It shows {"hour": 3, "minute": 31, "second": 18}
